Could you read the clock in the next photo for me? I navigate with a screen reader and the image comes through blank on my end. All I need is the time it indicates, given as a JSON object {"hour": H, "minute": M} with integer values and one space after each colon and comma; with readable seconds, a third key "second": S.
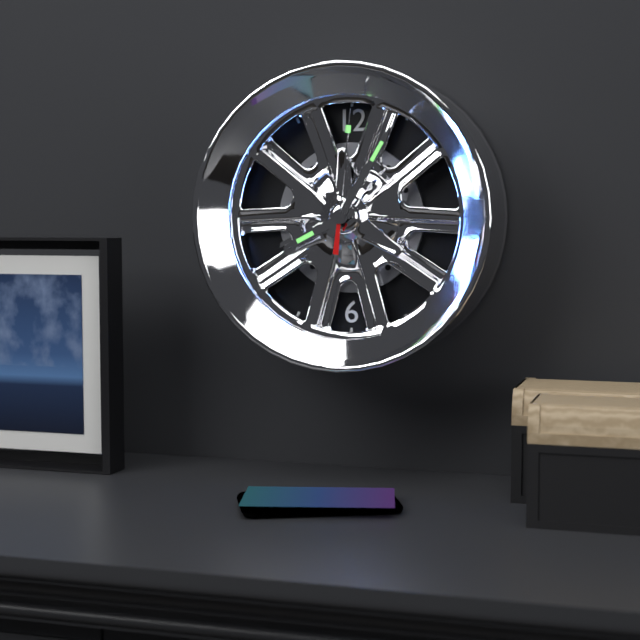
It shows {"hour": 8, "minute": 5, "second": 1}
